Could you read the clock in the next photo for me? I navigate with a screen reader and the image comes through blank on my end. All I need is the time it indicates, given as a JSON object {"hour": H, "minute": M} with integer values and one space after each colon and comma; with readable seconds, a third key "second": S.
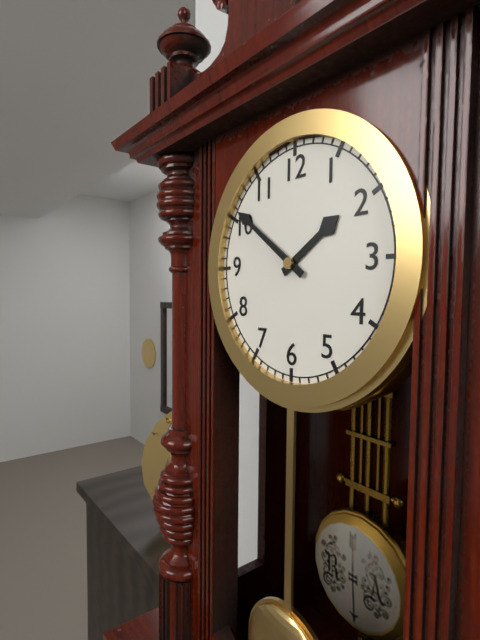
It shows {"hour": 1, "minute": 51}
